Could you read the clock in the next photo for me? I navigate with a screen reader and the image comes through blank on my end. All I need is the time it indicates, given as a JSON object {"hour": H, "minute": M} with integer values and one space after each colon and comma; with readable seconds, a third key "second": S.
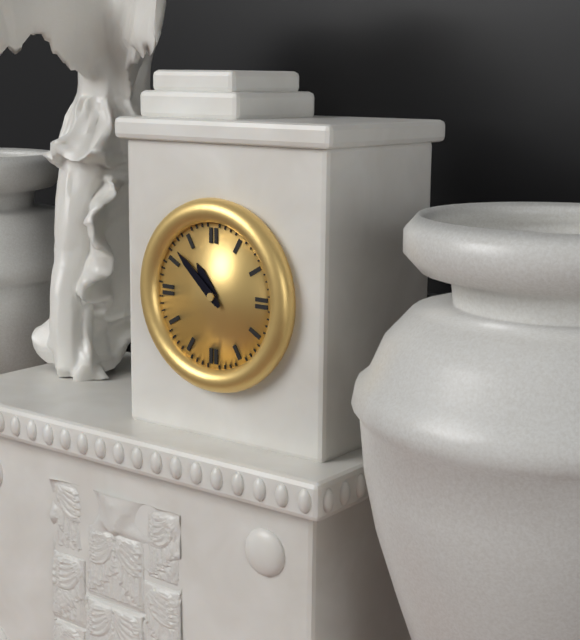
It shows {"hour": 10, "minute": 52}
